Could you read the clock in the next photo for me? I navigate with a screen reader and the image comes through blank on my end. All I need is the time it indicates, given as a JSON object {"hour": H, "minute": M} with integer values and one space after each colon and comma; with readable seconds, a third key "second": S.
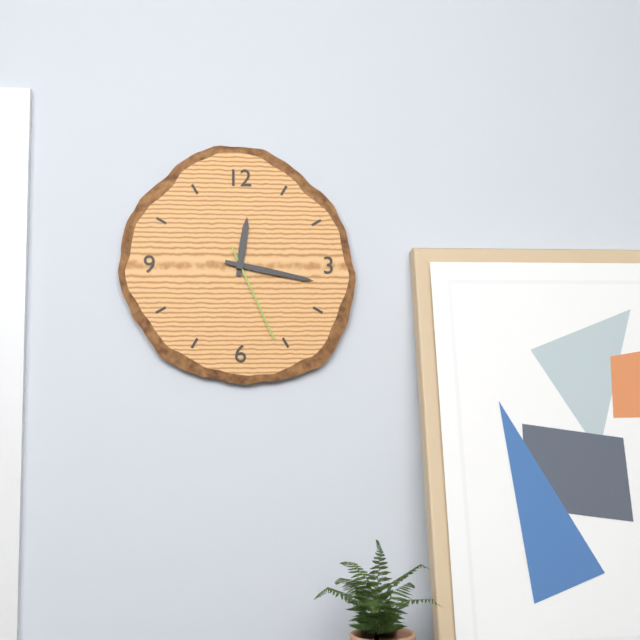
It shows {"hour": 12, "minute": 17, "second": 26}
